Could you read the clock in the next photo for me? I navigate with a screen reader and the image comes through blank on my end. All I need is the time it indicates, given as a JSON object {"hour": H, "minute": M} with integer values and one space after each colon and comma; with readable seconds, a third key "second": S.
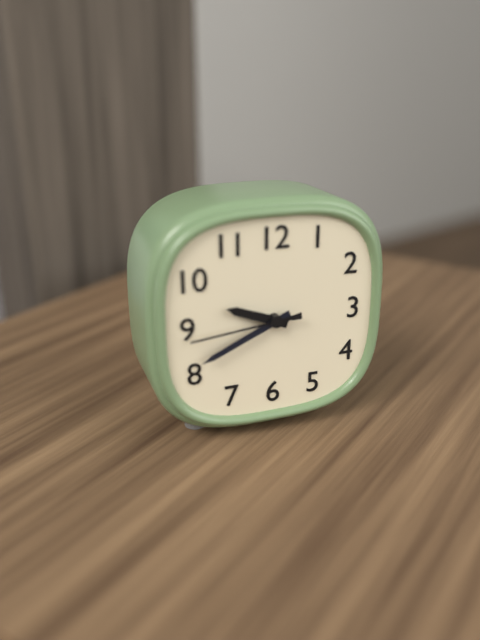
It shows {"hour": 9, "minute": 41, "second": 44}
